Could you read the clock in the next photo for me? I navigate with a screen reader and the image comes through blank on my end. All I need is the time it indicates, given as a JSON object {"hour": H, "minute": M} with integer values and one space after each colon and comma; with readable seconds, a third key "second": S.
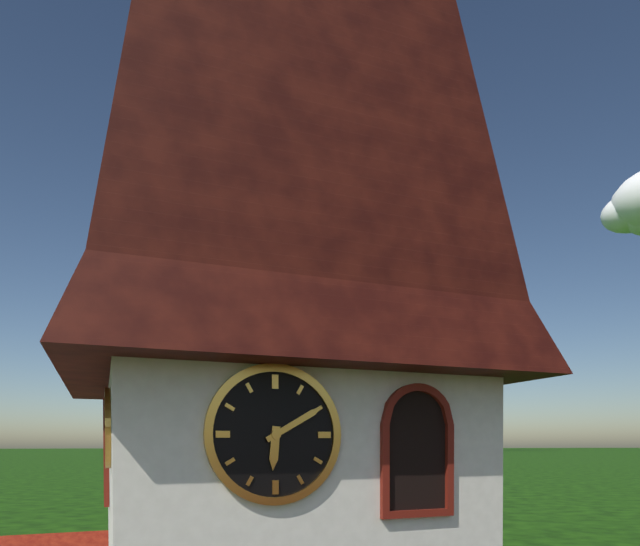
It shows {"hour": 6, "minute": 10}
